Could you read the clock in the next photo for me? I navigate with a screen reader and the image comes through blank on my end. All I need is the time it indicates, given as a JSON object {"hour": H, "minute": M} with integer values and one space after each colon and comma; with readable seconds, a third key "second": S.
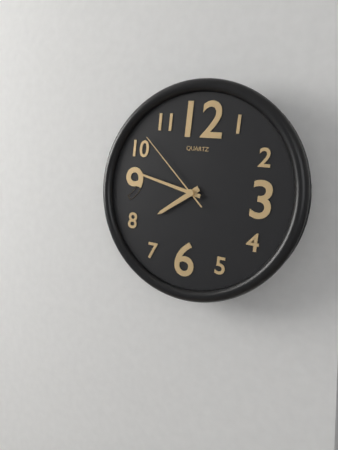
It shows {"hour": 7, "minute": 47, "second": 52}
